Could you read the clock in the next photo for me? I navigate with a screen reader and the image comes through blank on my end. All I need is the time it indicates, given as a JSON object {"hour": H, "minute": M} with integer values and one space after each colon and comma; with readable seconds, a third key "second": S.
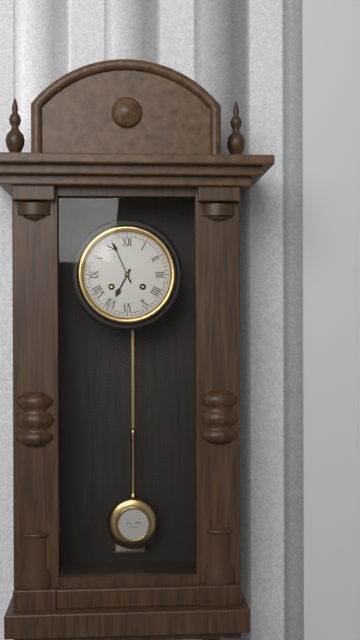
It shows {"hour": 6, "minute": 56}
